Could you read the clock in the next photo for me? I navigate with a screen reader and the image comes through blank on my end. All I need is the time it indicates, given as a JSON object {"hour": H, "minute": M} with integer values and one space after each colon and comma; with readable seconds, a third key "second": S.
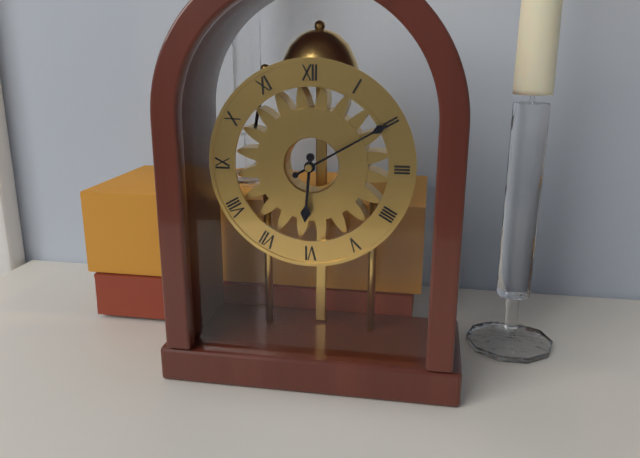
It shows {"hour": 6, "minute": 10}
